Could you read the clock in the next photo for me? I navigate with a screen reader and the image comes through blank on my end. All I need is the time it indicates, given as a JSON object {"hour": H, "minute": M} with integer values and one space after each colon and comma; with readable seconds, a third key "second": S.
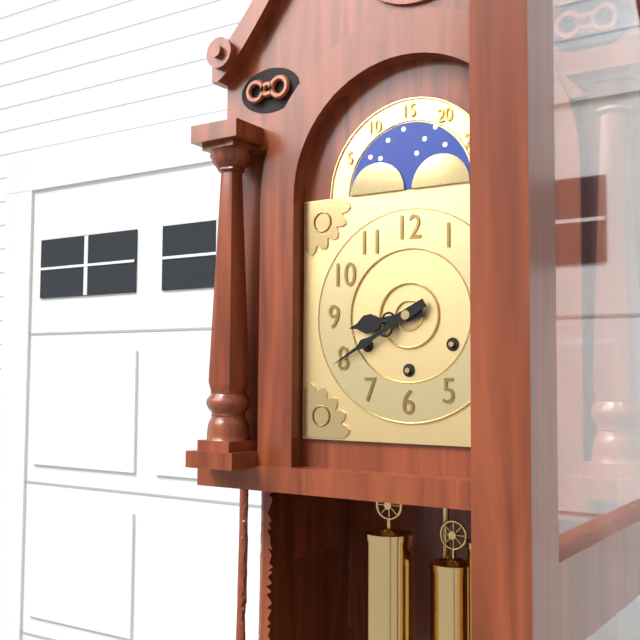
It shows {"hour": 8, "minute": 40}
